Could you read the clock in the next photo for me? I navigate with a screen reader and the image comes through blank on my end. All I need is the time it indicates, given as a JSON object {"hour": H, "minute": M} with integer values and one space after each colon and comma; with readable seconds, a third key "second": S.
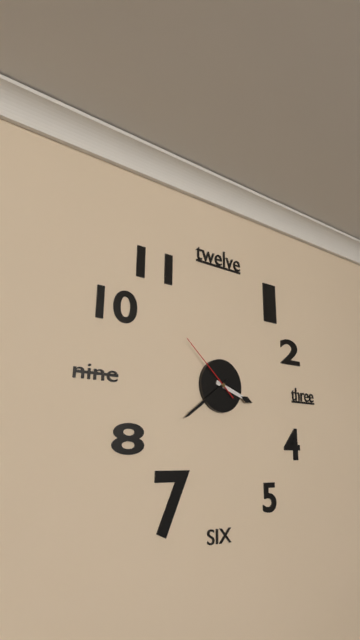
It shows {"hour": 3, "minute": 39, "second": 52}
